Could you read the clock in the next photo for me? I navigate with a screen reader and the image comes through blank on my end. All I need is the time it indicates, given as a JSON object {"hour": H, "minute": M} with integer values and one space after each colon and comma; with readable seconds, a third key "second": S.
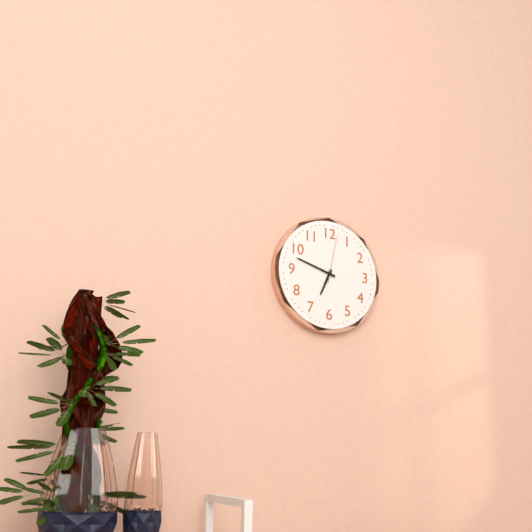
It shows {"hour": 6, "minute": 48, "second": 2}
